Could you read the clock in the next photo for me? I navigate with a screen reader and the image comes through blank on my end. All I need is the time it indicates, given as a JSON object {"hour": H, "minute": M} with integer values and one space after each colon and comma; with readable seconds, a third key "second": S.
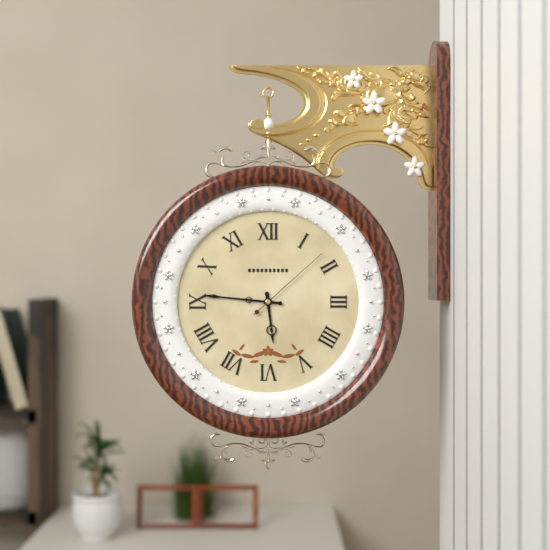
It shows {"hour": 5, "minute": 46, "second": 8}
